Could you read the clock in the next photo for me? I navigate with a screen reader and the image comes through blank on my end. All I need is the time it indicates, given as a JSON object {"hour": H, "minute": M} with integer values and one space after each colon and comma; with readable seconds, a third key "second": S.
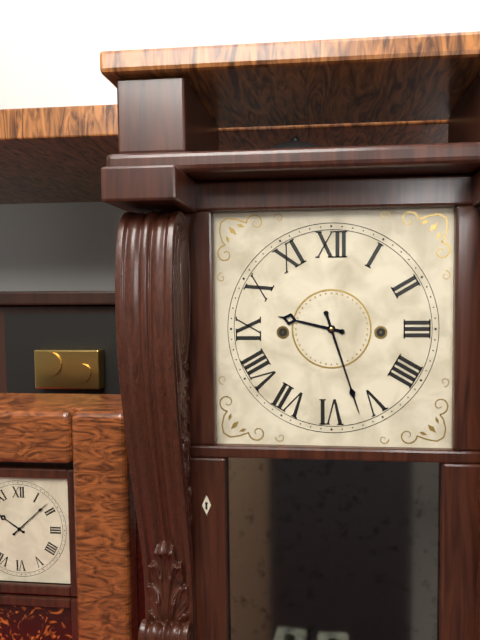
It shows {"hour": 9, "minute": 27}
